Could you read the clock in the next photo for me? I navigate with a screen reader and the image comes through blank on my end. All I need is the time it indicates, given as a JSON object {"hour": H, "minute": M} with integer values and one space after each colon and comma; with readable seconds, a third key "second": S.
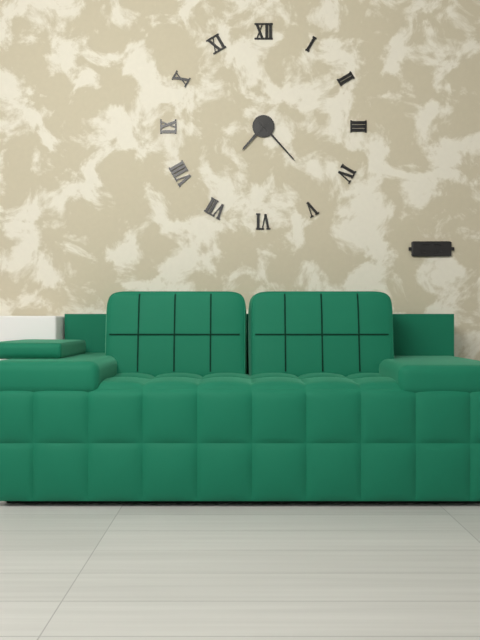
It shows {"hour": 7, "minute": 23}
